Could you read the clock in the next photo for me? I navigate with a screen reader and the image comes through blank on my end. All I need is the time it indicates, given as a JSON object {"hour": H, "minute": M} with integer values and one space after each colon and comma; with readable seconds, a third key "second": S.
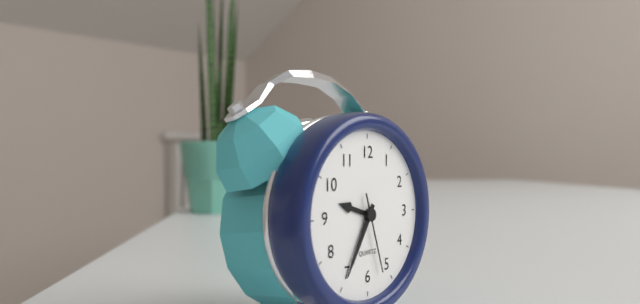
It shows {"hour": 9, "minute": 35, "second": 27}
